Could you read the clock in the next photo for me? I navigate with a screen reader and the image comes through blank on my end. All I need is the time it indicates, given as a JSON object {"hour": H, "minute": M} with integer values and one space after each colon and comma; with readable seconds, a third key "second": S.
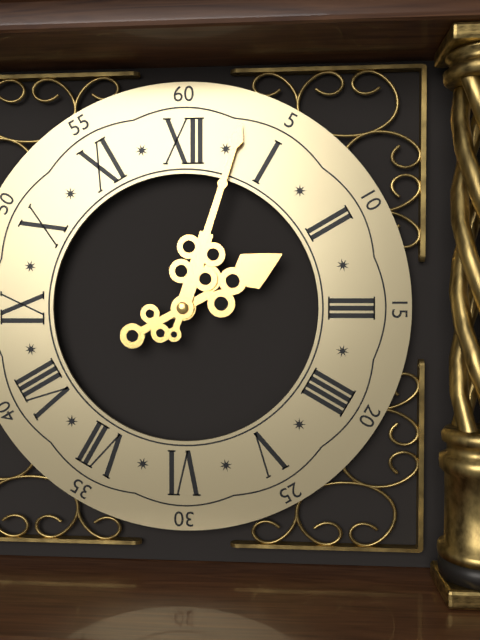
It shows {"hour": 2, "minute": 3}
